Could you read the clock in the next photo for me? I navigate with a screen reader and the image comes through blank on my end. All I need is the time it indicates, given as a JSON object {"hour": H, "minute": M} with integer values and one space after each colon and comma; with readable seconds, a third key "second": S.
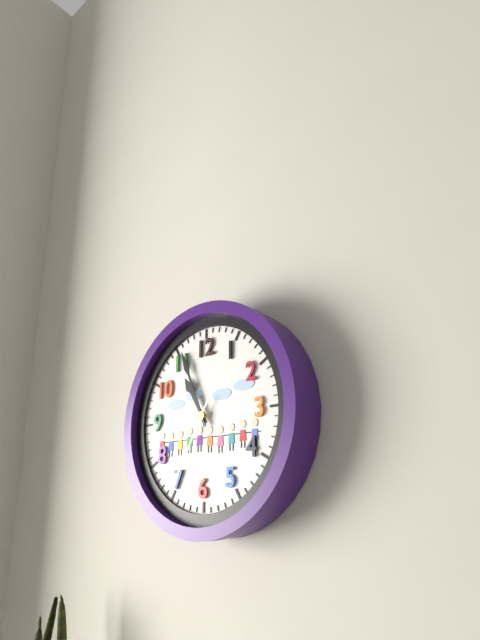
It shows {"hour": 10, "minute": 56, "second": 35}
